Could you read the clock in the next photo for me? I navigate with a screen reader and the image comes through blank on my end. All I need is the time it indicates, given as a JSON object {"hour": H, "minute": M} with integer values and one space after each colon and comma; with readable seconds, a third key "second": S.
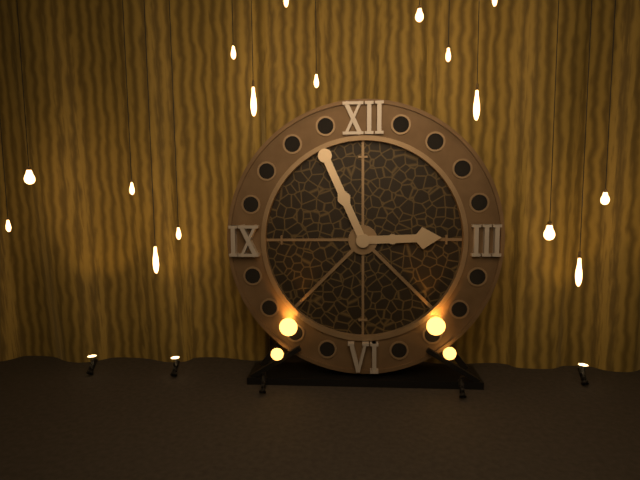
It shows {"hour": 2, "minute": 56}
